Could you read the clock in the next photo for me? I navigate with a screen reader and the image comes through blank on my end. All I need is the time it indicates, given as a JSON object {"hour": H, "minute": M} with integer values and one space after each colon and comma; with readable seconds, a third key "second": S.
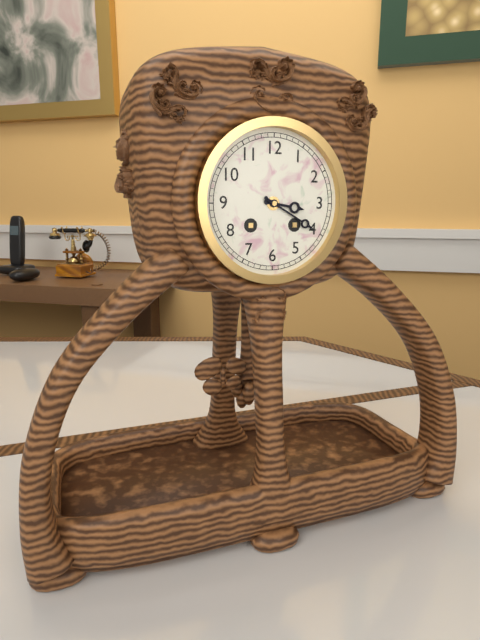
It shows {"hour": 3, "minute": 20}
